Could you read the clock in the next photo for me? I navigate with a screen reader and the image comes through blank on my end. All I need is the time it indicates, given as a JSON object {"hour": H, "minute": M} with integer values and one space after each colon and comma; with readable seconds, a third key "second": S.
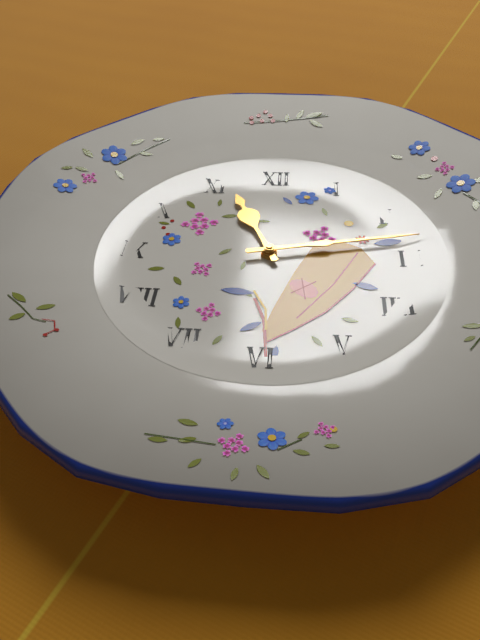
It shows {"hour": 11, "minute": 13}
